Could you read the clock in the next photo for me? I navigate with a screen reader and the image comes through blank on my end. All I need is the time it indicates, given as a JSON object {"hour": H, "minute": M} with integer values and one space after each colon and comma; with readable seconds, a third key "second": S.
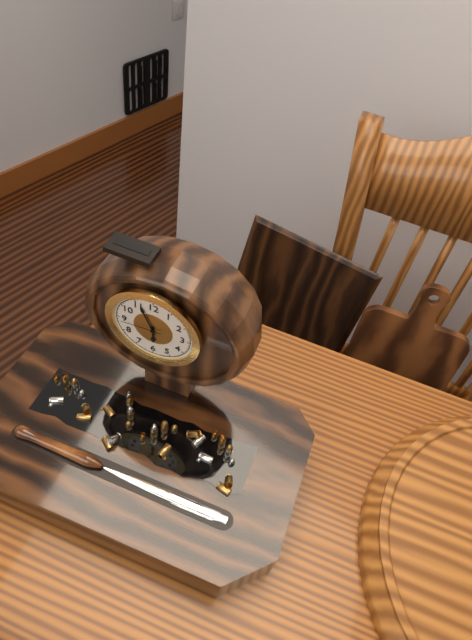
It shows {"hour": 5, "minute": 56}
